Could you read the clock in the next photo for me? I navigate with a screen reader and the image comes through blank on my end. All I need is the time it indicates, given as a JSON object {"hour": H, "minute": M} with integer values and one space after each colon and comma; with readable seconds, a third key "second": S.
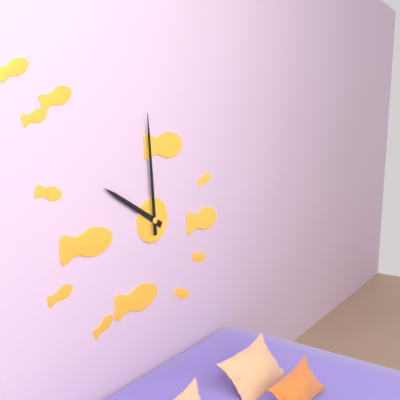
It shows {"hour": 9, "minute": 59}
